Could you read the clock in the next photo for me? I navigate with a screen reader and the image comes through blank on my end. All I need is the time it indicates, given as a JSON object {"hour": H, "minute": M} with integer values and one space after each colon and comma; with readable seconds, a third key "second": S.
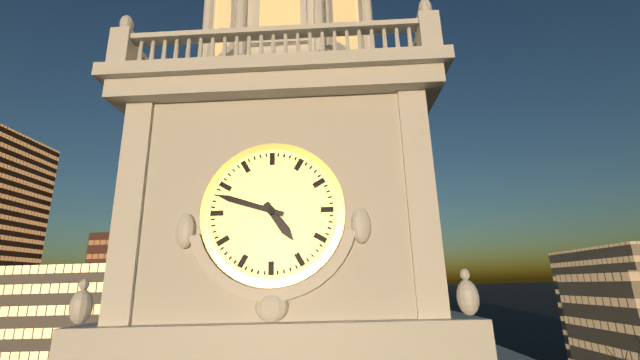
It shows {"hour": 4, "minute": 48}
